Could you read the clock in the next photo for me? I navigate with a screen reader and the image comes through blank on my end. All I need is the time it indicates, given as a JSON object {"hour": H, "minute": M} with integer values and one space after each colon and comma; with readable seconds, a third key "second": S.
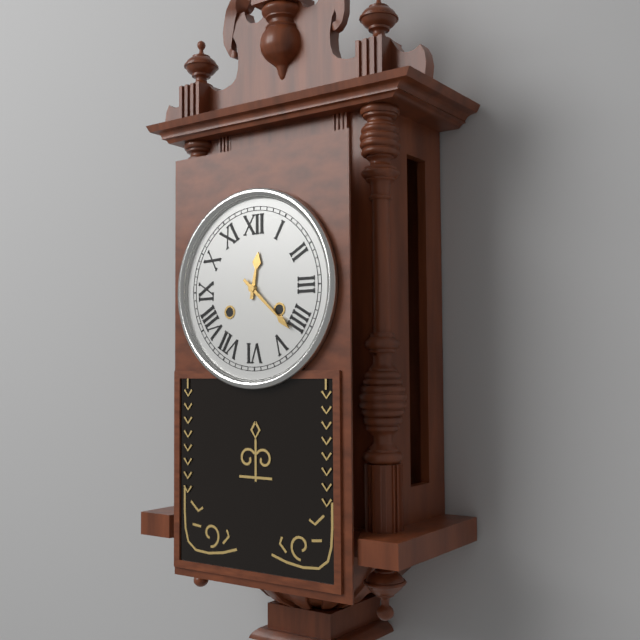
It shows {"hour": 12, "minute": 22}
